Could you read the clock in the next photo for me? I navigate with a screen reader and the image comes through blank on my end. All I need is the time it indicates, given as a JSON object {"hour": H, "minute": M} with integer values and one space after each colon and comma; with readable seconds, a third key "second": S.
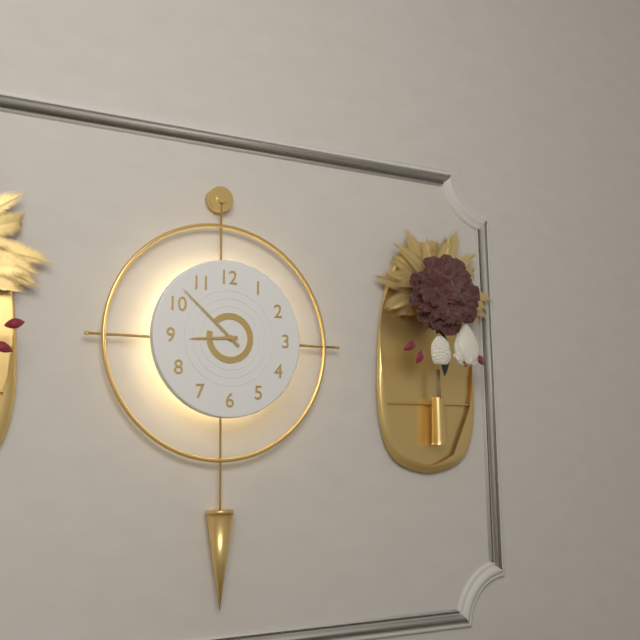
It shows {"hour": 8, "minute": 52}
